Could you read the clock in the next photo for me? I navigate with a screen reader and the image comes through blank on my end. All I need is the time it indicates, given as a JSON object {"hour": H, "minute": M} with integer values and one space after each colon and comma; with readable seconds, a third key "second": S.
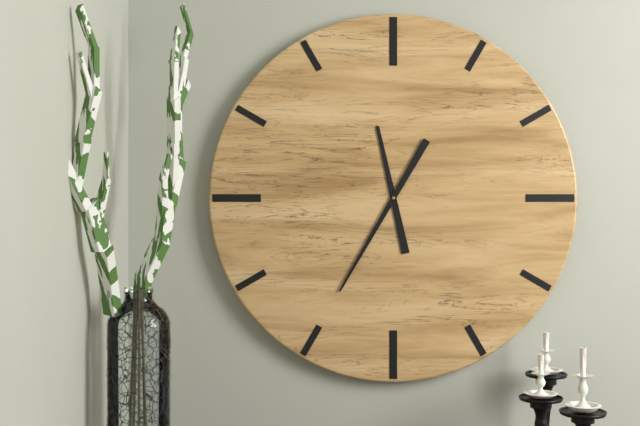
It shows {"hour": 11, "minute": 35}
